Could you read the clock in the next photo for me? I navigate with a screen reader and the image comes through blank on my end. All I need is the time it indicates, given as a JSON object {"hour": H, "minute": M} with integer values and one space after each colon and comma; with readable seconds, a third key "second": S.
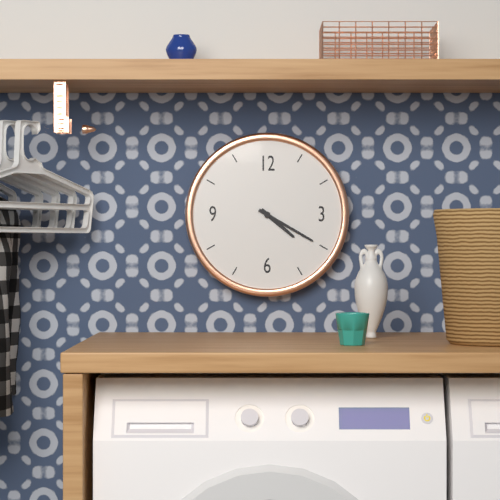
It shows {"hour": 4, "minute": 20}
